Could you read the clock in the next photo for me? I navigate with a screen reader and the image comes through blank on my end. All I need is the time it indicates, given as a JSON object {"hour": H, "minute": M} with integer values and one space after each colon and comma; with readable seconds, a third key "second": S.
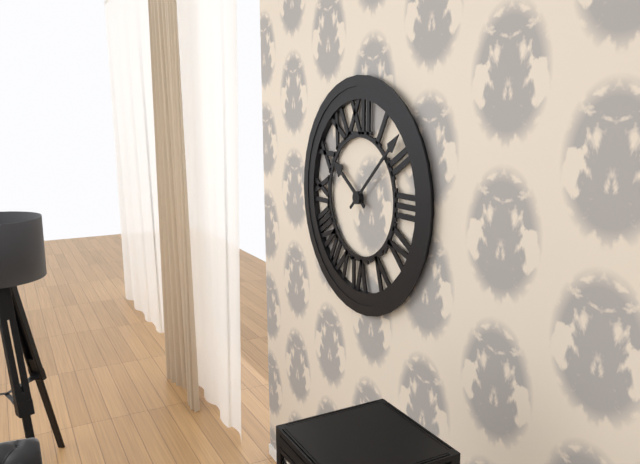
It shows {"hour": 10, "minute": 8}
